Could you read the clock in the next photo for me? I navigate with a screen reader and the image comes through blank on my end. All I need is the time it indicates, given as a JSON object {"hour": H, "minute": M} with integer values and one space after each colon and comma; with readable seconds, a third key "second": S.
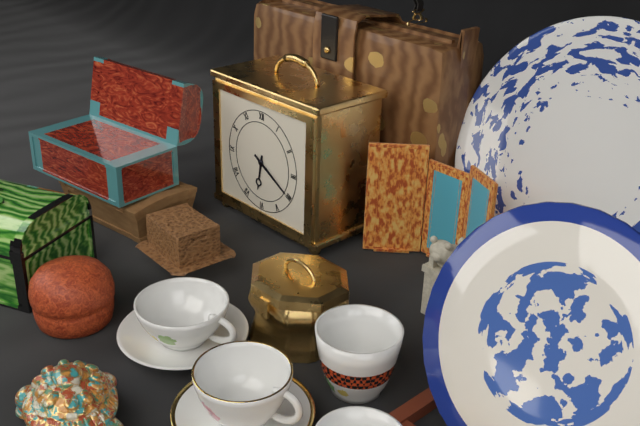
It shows {"hour": 6, "minute": 20}
